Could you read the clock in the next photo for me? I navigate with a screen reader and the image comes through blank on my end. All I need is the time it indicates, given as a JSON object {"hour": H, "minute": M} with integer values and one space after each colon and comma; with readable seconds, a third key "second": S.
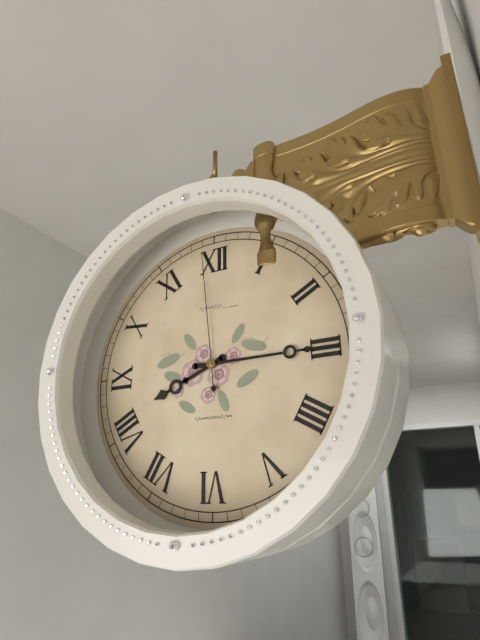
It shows {"hour": 8, "minute": 15, "second": 59}
